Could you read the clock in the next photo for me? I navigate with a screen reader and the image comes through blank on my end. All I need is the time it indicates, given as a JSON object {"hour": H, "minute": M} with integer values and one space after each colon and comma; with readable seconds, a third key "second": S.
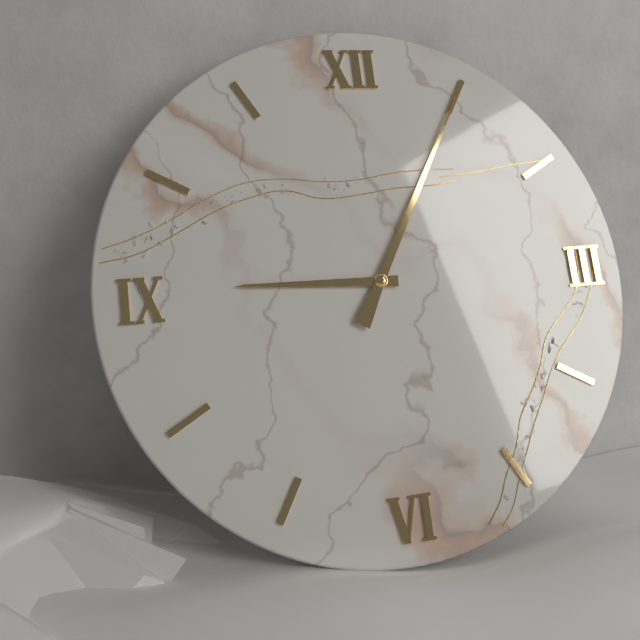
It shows {"hour": 9, "minute": 5}
